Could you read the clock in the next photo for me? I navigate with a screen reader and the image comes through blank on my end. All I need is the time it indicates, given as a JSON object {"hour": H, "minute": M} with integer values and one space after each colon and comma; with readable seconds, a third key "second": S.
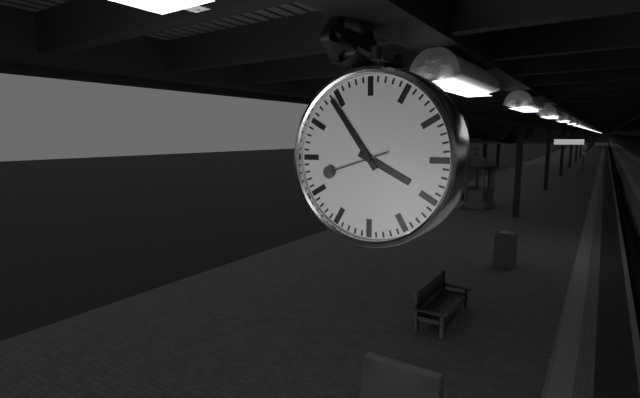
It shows {"hour": 3, "minute": 54, "second": 42}
